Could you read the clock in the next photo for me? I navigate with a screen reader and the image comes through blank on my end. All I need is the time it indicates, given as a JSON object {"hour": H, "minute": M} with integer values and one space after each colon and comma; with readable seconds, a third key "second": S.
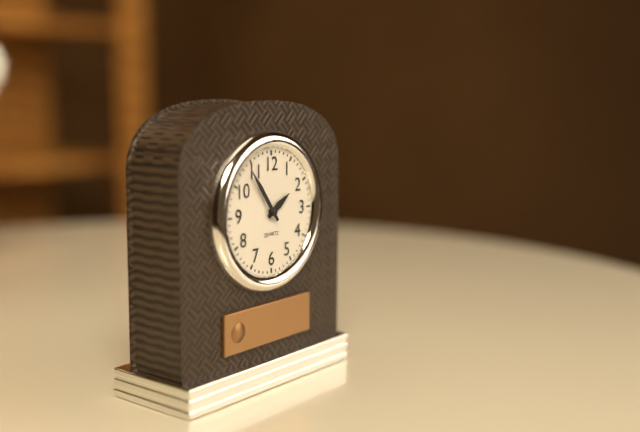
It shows {"hour": 1, "minute": 54}
